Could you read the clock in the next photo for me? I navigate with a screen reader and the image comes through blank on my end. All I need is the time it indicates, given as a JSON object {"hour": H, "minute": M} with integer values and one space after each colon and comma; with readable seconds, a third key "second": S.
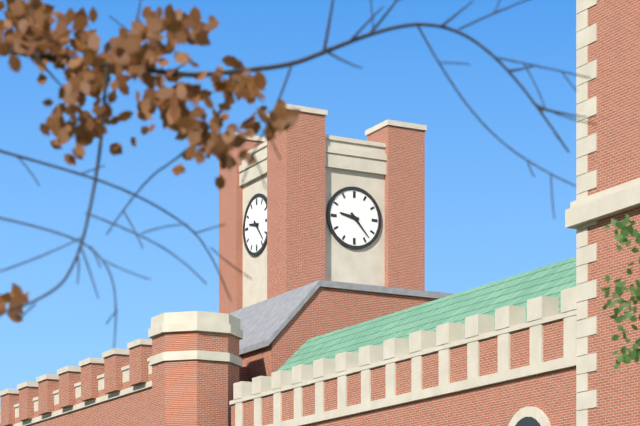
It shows {"hour": 9, "minute": 23}
